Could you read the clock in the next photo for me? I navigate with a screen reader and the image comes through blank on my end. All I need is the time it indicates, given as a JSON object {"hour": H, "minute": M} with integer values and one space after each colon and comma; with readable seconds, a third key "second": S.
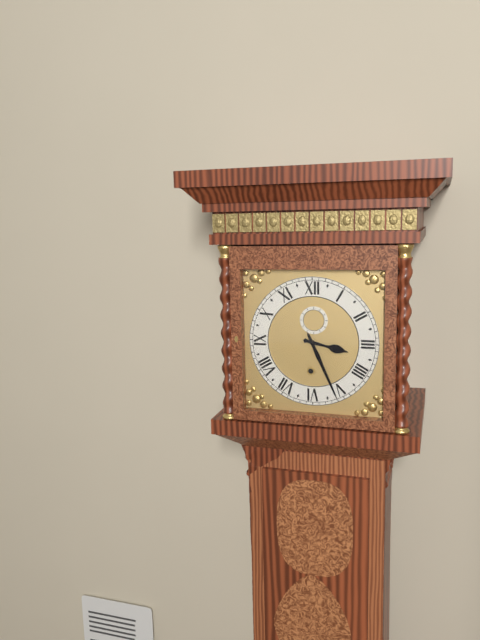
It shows {"hour": 3, "minute": 26}
